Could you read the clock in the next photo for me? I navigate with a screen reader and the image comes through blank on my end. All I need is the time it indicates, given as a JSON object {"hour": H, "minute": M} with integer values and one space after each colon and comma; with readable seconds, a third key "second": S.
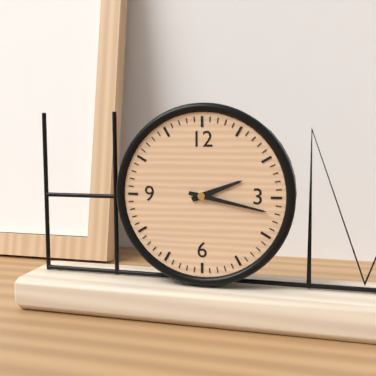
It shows {"hour": 2, "minute": 17}
